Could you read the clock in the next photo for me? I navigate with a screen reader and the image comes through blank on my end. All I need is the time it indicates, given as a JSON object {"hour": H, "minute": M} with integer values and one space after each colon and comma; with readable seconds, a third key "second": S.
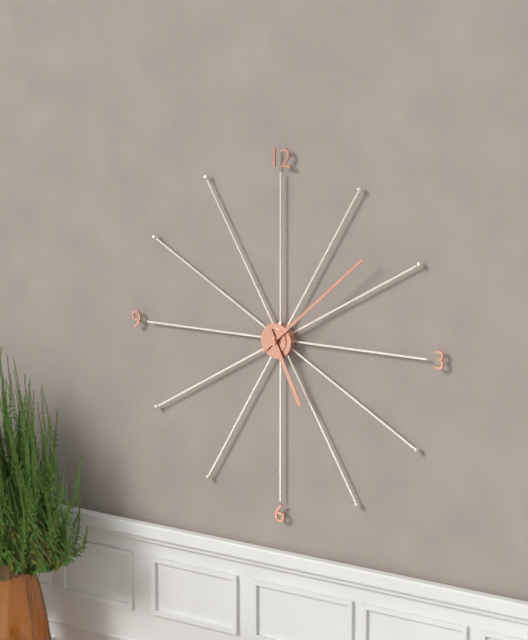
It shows {"hour": 5, "minute": 8}
